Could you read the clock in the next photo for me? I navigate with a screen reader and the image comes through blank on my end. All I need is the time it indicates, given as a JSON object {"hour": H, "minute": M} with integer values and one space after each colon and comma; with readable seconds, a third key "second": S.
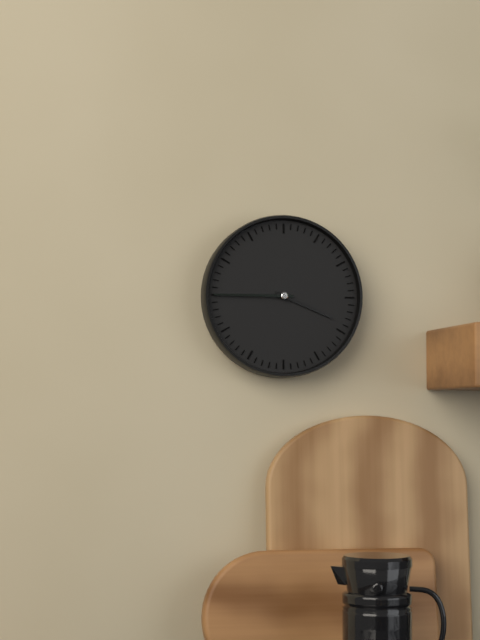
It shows {"hour": 3, "minute": 45}
